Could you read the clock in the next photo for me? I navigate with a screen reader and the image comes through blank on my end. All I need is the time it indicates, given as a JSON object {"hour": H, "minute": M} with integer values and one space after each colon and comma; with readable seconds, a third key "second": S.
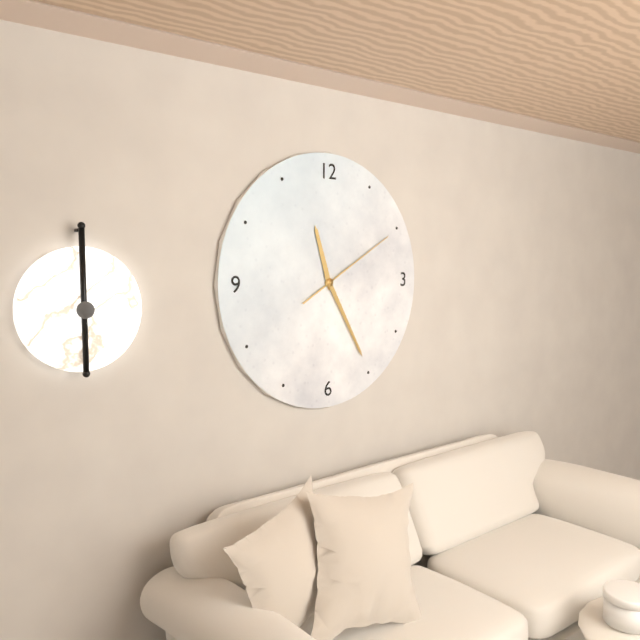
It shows {"hour": 11, "minute": 25, "second": 10}
